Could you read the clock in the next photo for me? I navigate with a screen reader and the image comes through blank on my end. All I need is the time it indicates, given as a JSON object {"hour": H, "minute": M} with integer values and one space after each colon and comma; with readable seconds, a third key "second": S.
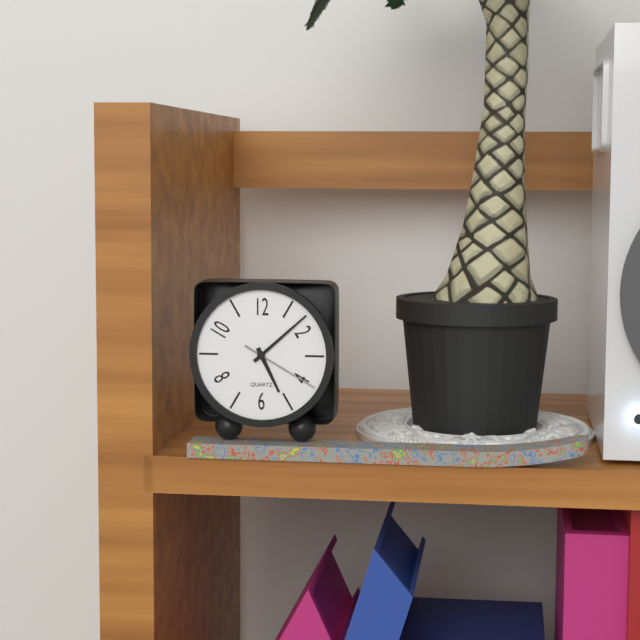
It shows {"hour": 5, "minute": 8, "second": 20}
